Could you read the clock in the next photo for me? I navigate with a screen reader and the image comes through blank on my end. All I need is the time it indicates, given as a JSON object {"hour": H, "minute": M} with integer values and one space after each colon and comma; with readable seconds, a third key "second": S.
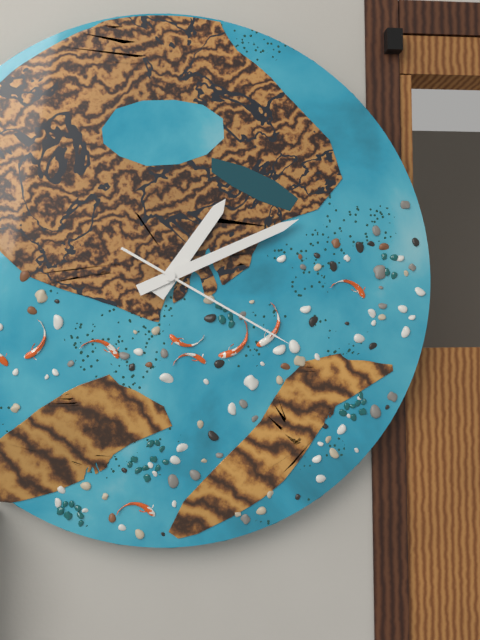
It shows {"hour": 1, "minute": 11, "second": 20}
